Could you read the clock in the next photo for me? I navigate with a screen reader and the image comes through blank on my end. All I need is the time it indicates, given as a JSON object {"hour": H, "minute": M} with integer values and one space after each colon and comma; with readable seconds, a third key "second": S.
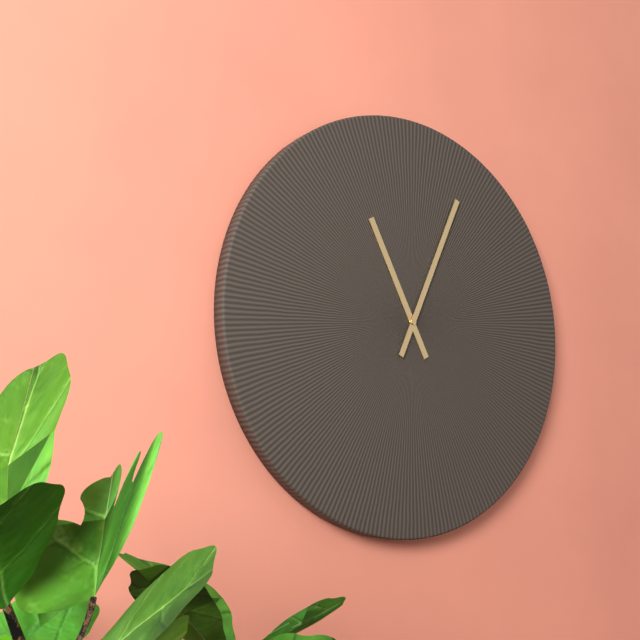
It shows {"hour": 11, "minute": 4}
